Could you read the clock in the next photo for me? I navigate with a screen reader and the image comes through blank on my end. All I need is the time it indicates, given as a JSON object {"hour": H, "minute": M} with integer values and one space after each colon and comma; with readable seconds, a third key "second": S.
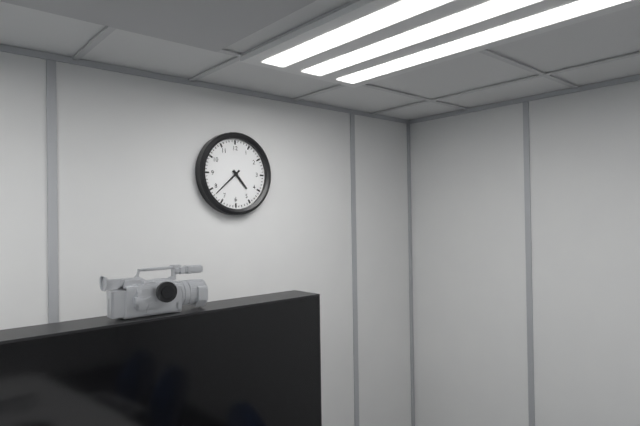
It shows {"hour": 4, "minute": 38}
